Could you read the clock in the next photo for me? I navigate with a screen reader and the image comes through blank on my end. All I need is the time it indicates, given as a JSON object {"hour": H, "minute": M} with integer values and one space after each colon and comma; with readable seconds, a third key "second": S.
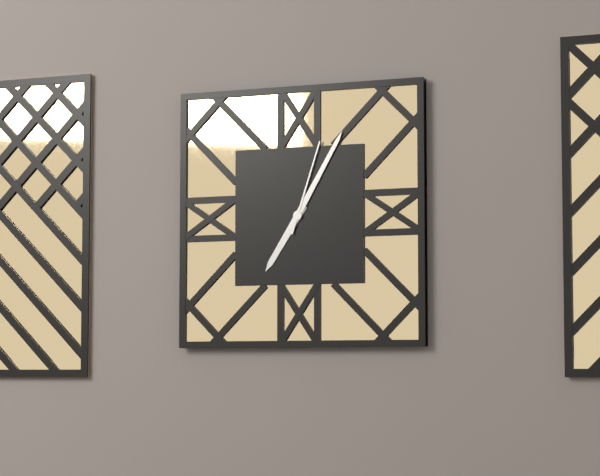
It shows {"hour": 7, "minute": 5, "second": 3}
